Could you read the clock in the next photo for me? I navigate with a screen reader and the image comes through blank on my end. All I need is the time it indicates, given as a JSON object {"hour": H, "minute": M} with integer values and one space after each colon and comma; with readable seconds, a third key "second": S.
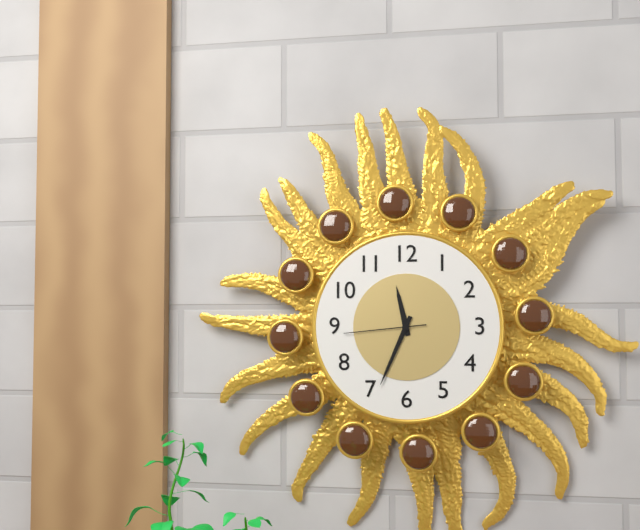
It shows {"hour": 11, "minute": 34, "second": 44}
